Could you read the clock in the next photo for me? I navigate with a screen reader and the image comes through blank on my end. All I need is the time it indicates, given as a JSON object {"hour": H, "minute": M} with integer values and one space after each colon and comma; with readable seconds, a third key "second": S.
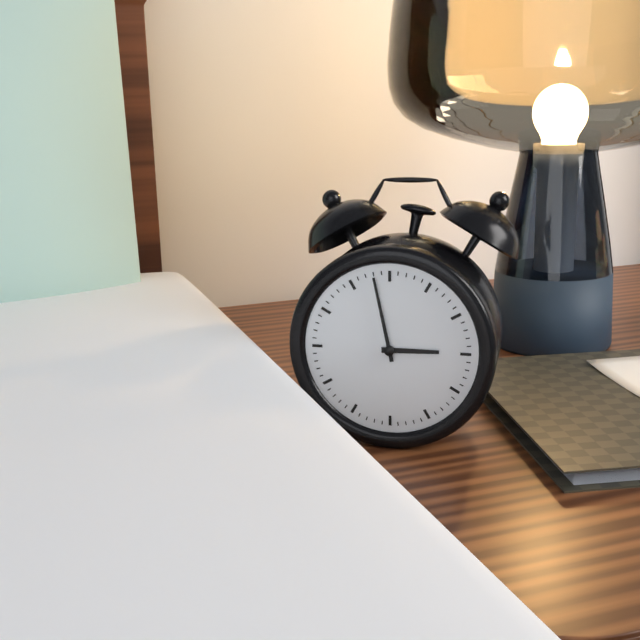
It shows {"hour": 2, "minute": 58}
